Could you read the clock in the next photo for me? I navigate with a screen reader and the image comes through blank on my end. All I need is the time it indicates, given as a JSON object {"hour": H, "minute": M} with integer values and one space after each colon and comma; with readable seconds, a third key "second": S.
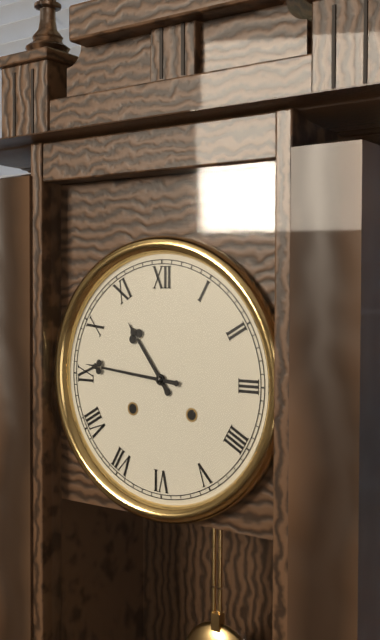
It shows {"hour": 10, "minute": 46}
